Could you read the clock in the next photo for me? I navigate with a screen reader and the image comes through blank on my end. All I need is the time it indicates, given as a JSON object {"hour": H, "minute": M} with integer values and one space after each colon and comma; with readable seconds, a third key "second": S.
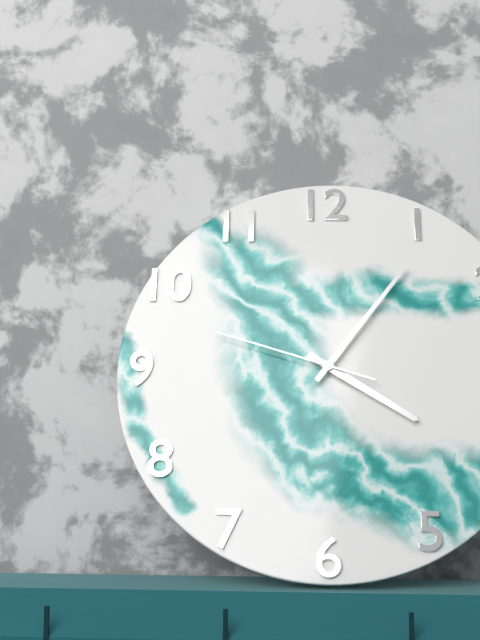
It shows {"hour": 4, "minute": 6, "second": 48}
